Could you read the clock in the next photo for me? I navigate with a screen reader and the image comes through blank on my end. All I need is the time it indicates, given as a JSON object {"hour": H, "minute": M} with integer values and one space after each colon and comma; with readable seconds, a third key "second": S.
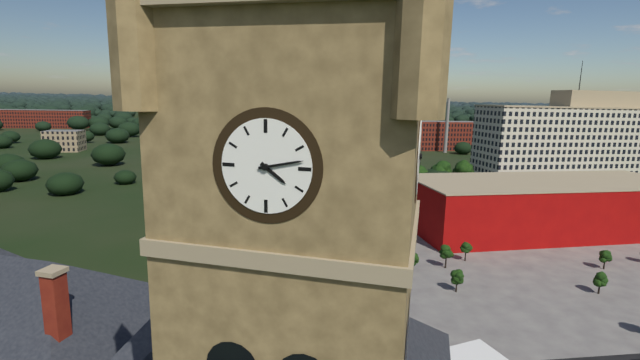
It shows {"hour": 4, "minute": 13}
